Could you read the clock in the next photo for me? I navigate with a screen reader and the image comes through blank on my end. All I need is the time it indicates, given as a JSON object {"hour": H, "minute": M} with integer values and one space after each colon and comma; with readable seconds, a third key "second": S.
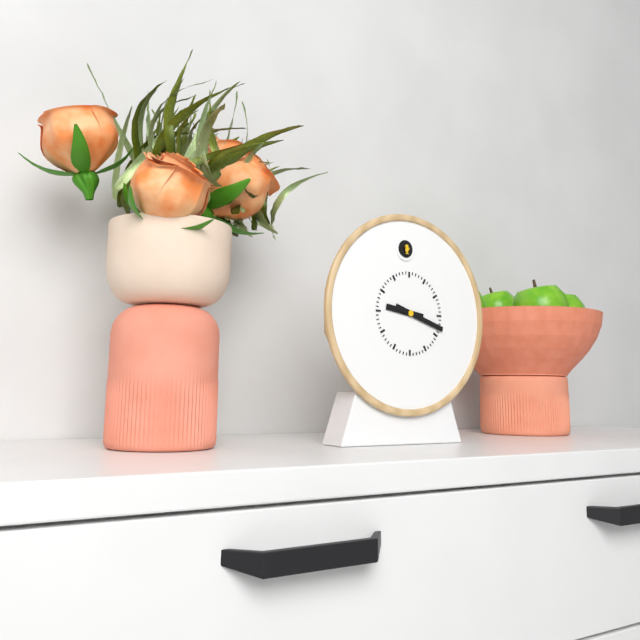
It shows {"hour": 9, "minute": 18}
